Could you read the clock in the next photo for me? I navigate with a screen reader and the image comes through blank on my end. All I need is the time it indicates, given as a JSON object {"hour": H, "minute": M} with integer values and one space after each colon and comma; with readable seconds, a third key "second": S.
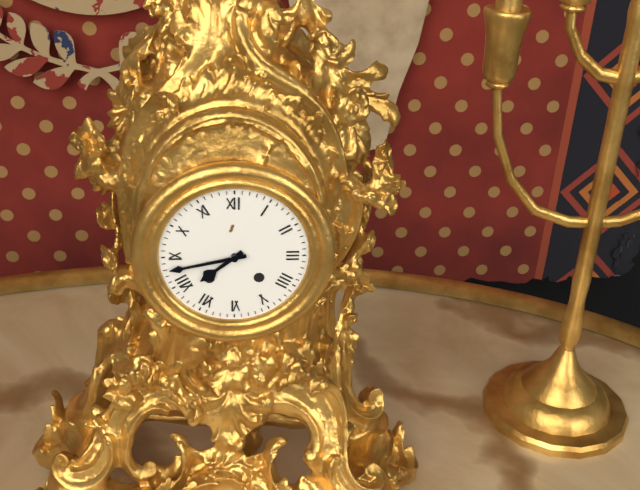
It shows {"hour": 7, "minute": 43}
